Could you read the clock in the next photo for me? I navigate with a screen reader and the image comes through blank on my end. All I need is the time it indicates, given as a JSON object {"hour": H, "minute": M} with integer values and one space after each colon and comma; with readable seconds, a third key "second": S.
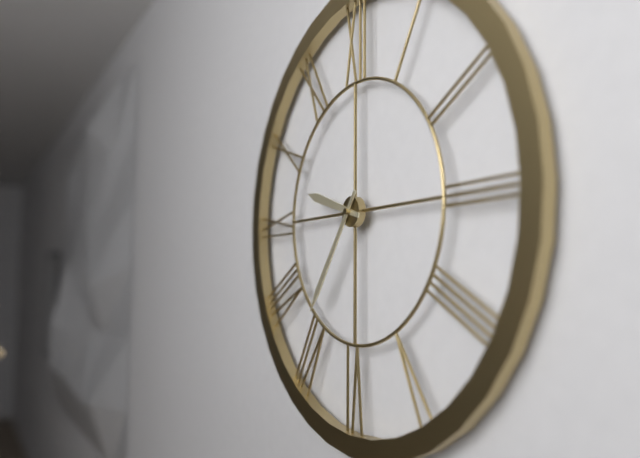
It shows {"hour": 9, "minute": 36}
